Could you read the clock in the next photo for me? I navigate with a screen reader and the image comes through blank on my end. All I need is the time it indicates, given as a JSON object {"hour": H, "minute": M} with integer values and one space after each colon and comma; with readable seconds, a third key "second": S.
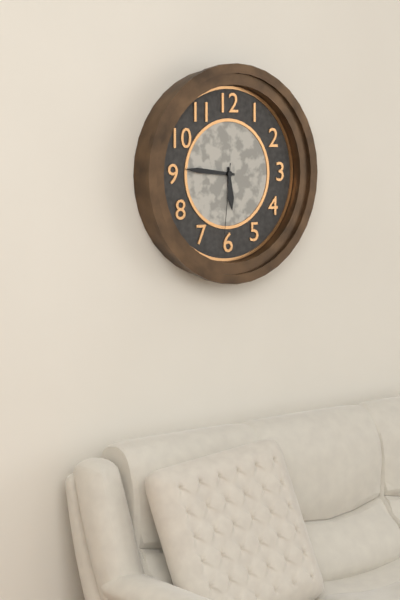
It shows {"hour": 5, "minute": 46, "second": 31}
